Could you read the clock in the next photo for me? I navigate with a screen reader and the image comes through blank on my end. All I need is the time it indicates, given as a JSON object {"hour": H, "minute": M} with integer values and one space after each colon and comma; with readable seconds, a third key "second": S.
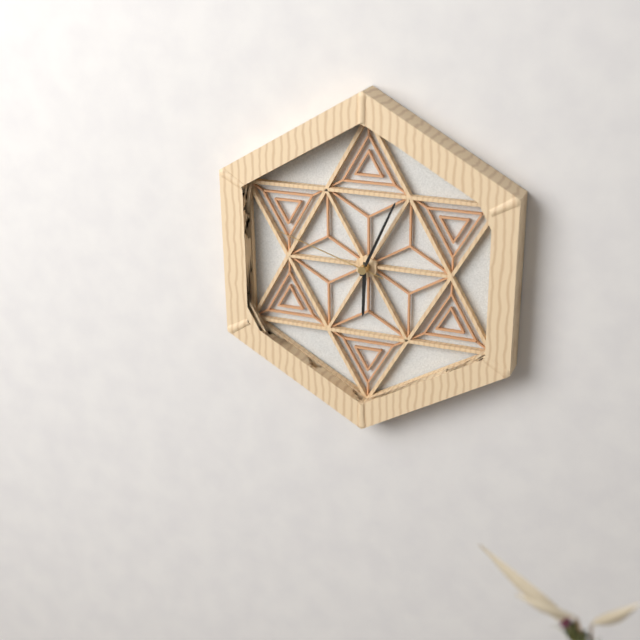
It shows {"hour": 6, "minute": 4, "second": 48}
